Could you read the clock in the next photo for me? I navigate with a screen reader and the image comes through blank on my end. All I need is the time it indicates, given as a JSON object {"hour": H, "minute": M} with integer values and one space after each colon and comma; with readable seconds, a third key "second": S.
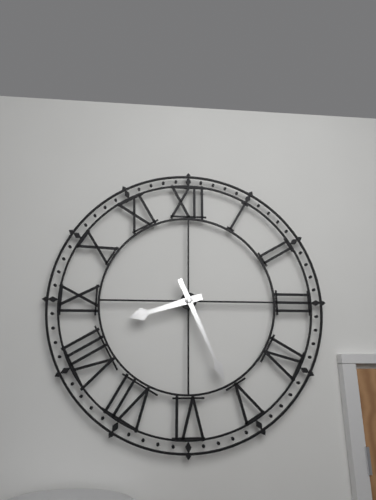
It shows {"hour": 8, "minute": 26}
